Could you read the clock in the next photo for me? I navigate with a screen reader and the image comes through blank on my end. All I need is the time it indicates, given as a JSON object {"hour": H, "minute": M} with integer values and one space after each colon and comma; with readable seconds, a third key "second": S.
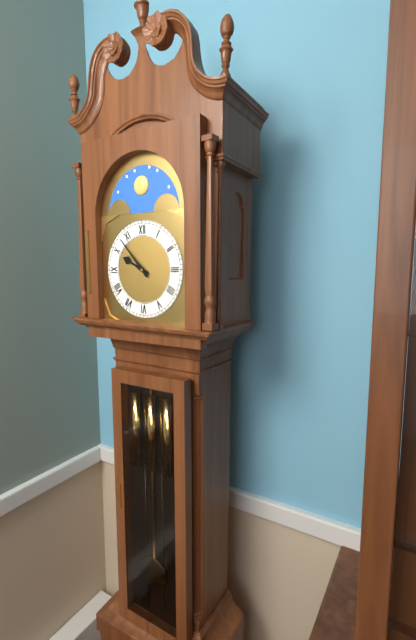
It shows {"hour": 9, "minute": 53}
